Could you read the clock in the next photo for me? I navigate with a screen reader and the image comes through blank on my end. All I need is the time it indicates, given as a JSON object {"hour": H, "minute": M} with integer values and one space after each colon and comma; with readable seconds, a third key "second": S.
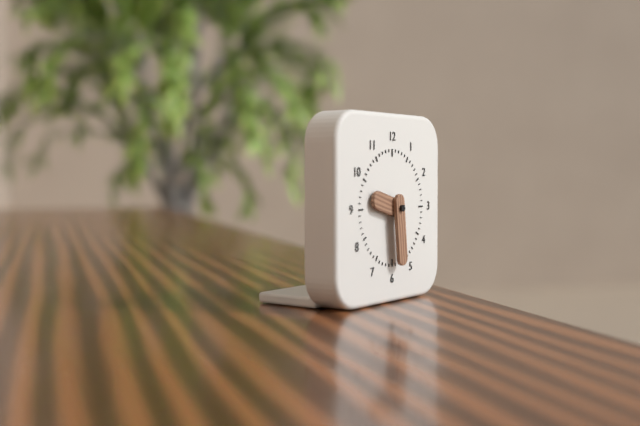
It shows {"hour": 9, "minute": 29}
